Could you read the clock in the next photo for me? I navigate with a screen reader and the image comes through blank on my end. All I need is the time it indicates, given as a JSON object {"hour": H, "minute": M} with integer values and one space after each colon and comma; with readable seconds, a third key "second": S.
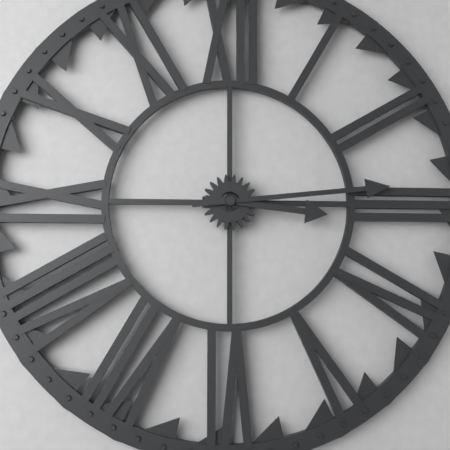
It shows {"hour": 3, "minute": 14}
